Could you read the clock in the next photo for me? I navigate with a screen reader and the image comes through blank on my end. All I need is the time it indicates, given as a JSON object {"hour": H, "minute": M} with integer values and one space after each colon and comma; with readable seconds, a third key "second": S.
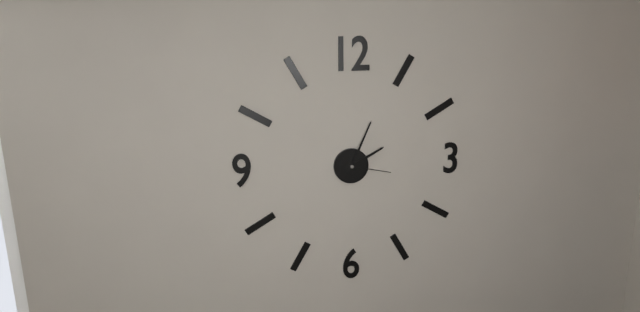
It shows {"hour": 2, "minute": 4, "second": 17}
